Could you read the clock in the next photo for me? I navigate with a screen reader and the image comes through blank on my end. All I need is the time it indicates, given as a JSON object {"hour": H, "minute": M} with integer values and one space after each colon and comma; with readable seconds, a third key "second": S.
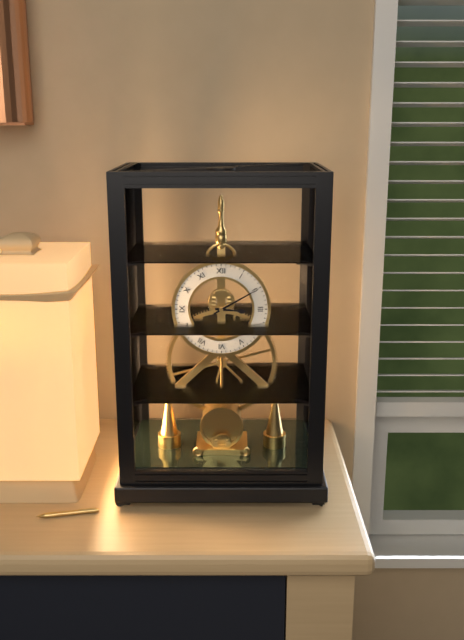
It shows {"hour": 3, "minute": 10}
